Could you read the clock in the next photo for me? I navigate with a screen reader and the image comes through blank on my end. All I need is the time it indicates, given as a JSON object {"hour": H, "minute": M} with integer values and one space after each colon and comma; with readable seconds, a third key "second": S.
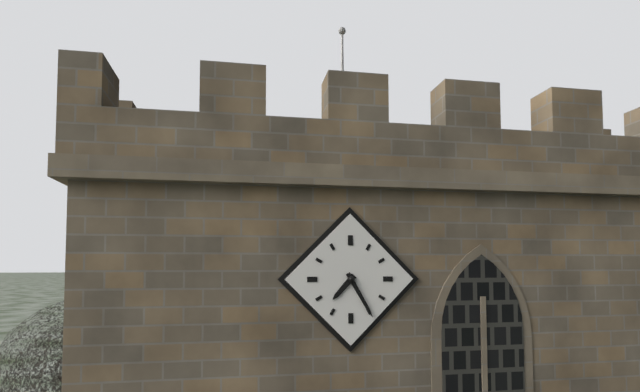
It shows {"hour": 7, "minute": 25}
